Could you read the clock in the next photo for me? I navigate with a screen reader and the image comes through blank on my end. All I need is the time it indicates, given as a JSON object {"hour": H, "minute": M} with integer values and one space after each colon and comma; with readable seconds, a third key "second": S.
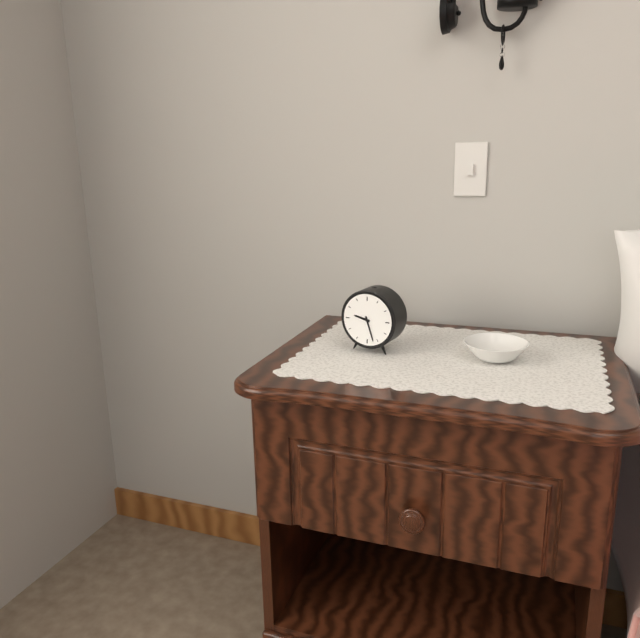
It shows {"hour": 9, "minute": 27}
